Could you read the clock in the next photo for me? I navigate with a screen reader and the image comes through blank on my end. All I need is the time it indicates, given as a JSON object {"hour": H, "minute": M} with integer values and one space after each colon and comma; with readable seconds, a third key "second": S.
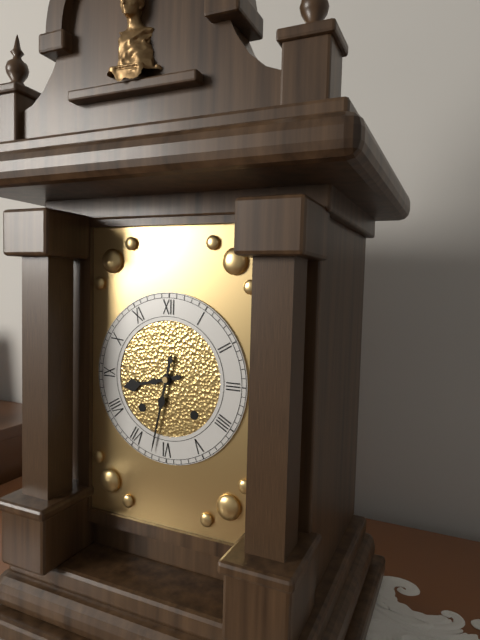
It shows {"hour": 8, "minute": 32}
